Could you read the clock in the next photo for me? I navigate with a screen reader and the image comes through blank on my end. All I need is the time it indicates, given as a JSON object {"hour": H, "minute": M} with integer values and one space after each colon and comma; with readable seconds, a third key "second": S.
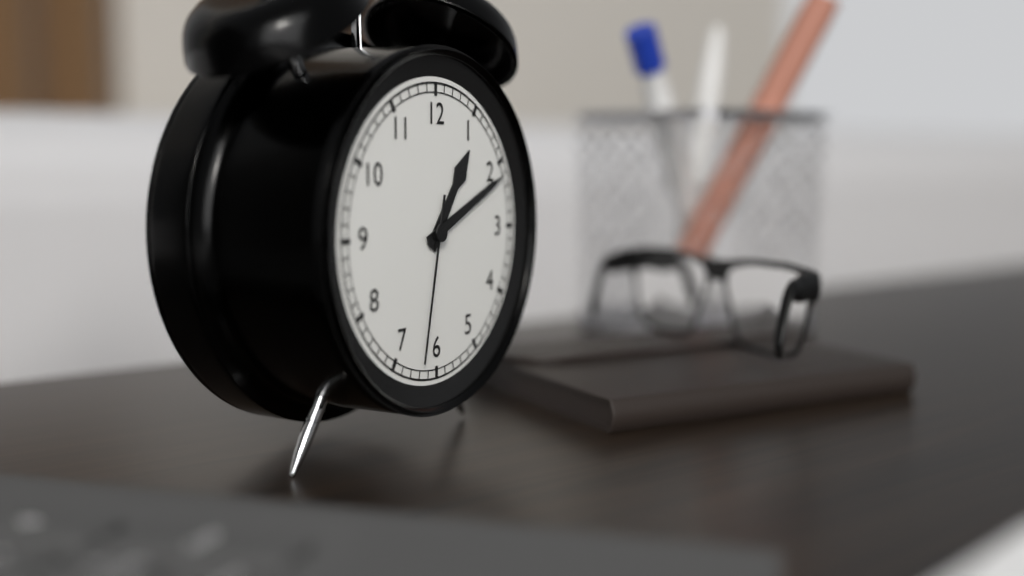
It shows {"hour": 1, "minute": 11, "second": 32}
